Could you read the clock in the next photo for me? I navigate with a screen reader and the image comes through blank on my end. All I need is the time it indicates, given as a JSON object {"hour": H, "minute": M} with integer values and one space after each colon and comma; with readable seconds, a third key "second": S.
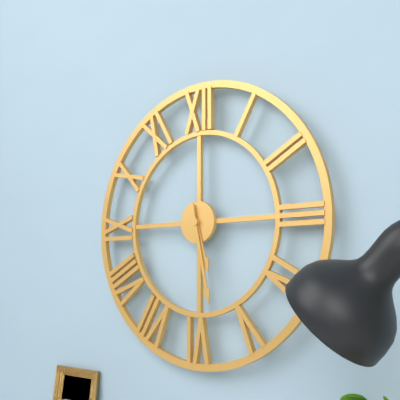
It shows {"hour": 5, "minute": 28}
